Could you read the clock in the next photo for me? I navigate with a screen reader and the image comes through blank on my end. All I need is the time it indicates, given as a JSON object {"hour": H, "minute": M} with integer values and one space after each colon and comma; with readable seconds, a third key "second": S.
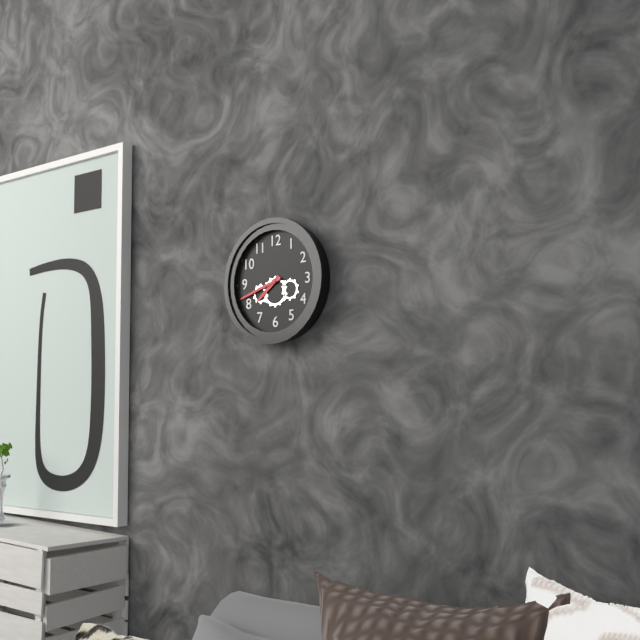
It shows {"hour": 7, "minute": 42}
